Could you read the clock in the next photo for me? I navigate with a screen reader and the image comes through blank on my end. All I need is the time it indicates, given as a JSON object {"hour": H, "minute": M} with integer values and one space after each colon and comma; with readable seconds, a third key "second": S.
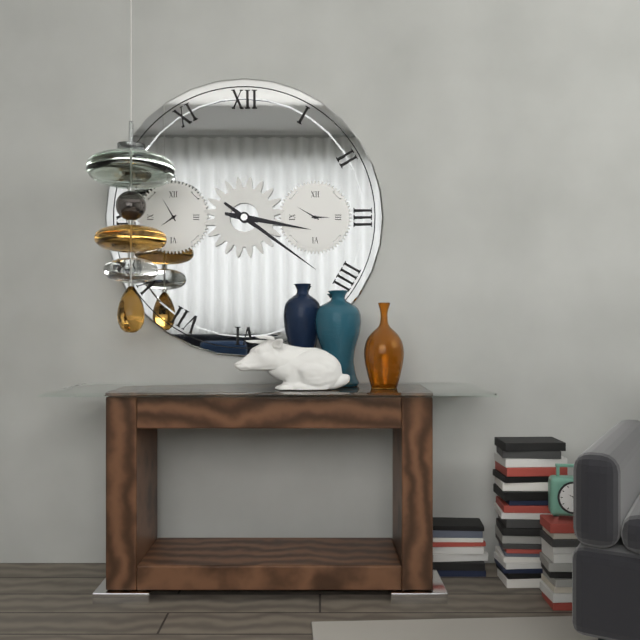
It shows {"hour": 3, "minute": 21}
